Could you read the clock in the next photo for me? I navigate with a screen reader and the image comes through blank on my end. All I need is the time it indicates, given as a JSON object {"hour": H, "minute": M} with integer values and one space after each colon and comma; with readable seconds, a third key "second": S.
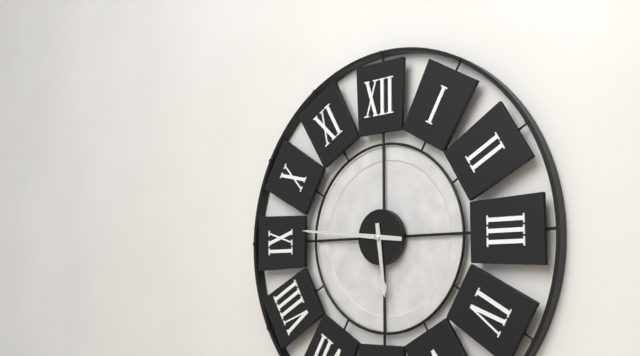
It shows {"hour": 5, "minute": 46}
